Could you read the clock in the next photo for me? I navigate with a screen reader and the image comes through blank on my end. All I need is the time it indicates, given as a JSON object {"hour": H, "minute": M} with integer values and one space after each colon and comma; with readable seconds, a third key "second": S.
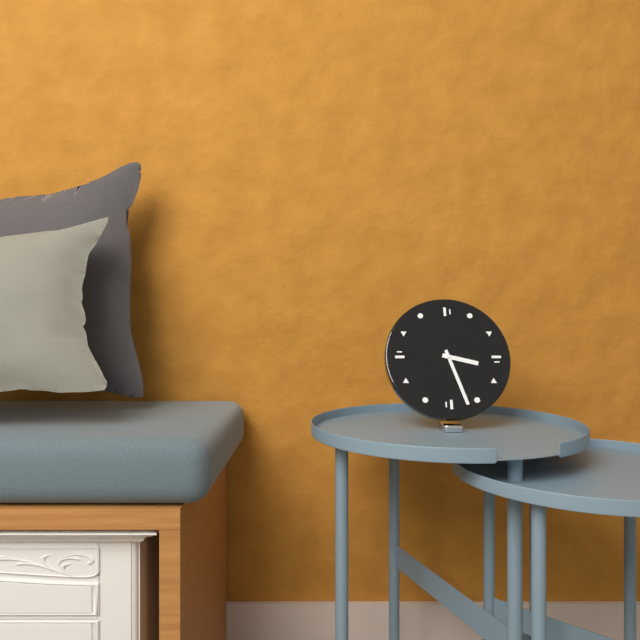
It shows {"hour": 3, "minute": 27}
